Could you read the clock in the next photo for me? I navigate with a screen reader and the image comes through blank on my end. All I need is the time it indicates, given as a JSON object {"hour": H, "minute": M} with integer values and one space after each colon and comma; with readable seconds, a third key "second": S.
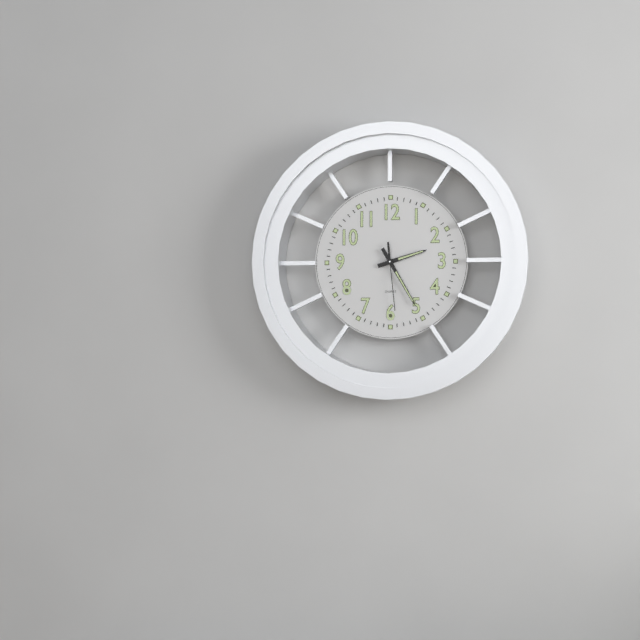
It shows {"hour": 2, "minute": 25, "second": 29}
